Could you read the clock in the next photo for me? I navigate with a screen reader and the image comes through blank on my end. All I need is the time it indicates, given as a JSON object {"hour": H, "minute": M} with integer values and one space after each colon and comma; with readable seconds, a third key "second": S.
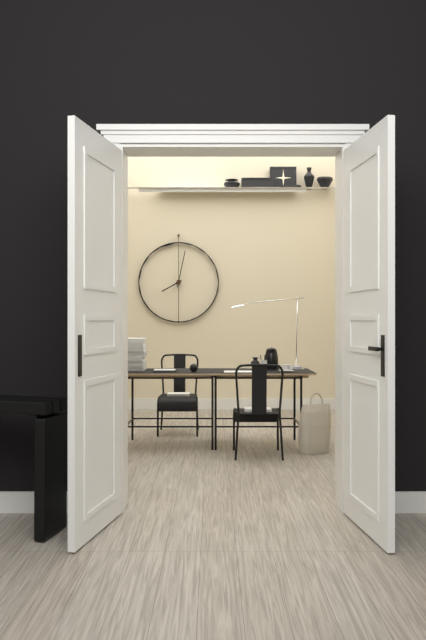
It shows {"hour": 8, "minute": 2}
